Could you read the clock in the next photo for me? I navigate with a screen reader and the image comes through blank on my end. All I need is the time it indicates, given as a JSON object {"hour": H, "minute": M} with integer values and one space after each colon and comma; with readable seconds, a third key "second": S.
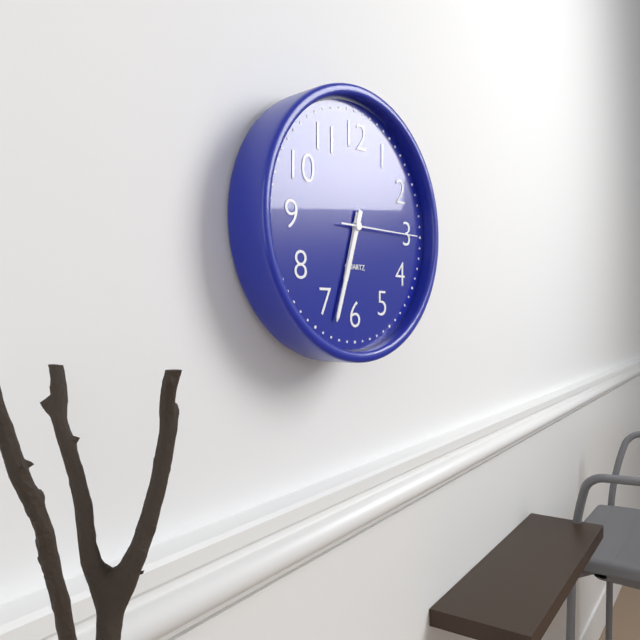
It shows {"hour": 6, "minute": 33, "second": 15}
